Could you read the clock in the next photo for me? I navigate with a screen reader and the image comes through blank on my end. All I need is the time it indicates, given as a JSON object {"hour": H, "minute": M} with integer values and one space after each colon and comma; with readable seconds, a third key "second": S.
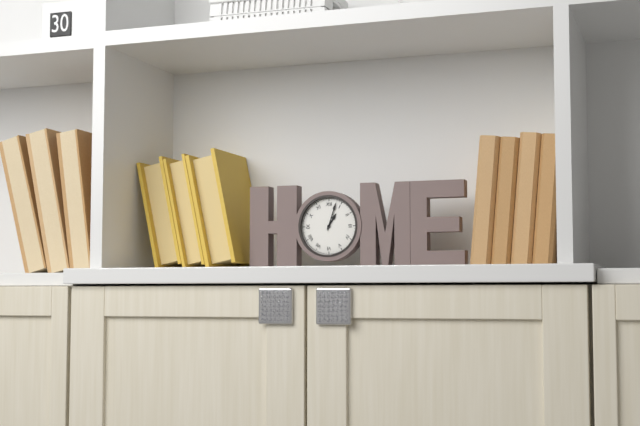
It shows {"hour": 1, "minute": 3}
